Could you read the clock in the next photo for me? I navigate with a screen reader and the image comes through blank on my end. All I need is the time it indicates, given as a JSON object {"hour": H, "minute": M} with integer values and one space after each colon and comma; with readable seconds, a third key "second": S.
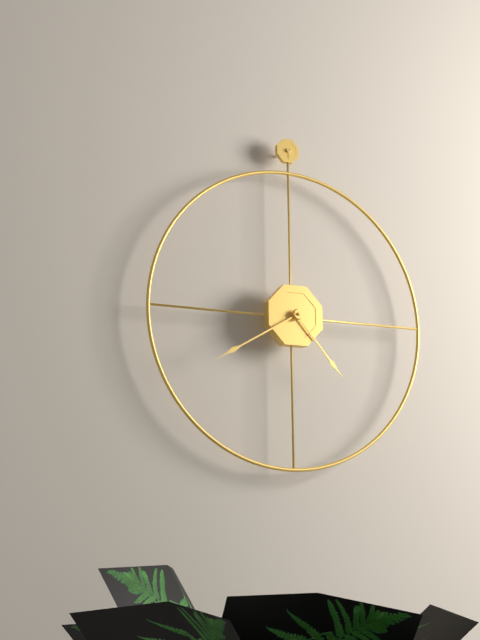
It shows {"hour": 4, "minute": 40}
